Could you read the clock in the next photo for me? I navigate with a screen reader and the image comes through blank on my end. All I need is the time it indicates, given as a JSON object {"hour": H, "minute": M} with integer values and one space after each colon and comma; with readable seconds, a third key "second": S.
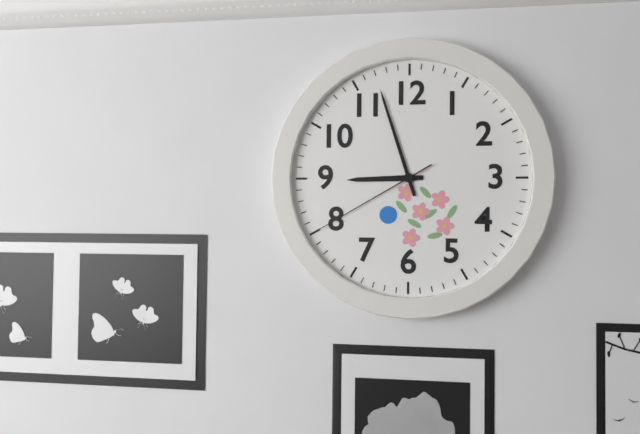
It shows {"hour": 8, "minute": 57, "second": 40}
